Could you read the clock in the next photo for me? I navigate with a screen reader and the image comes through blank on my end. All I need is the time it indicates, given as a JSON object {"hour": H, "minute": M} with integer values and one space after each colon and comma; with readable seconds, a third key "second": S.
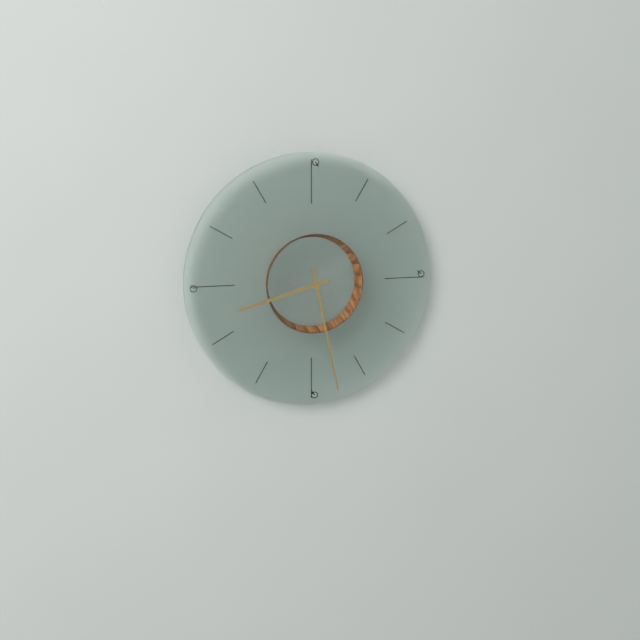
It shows {"hour": 8, "minute": 28}
